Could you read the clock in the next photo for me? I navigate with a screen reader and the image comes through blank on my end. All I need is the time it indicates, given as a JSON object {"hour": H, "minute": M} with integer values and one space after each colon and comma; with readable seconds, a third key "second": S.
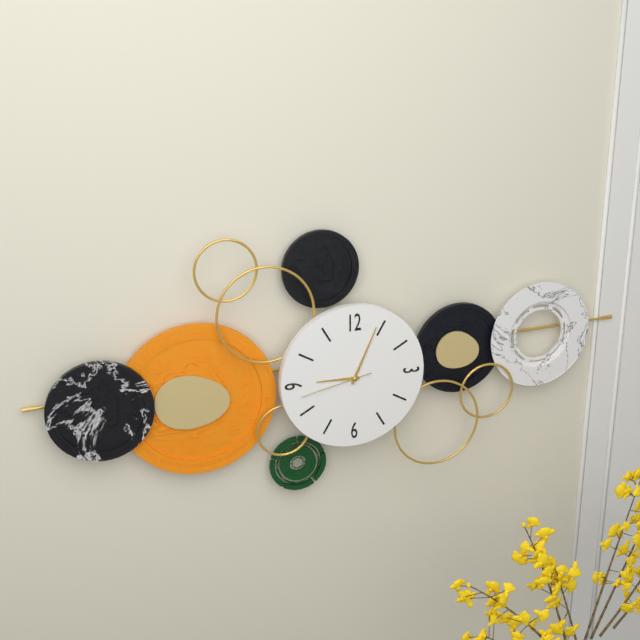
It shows {"hour": 9, "minute": 4, "second": 43}
